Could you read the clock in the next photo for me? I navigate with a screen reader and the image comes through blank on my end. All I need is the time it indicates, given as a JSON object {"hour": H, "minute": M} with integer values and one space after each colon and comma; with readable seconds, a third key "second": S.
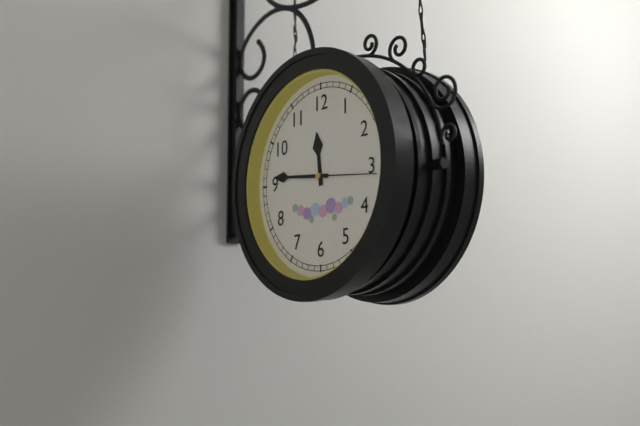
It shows {"hour": 11, "minute": 46, "second": 16}
